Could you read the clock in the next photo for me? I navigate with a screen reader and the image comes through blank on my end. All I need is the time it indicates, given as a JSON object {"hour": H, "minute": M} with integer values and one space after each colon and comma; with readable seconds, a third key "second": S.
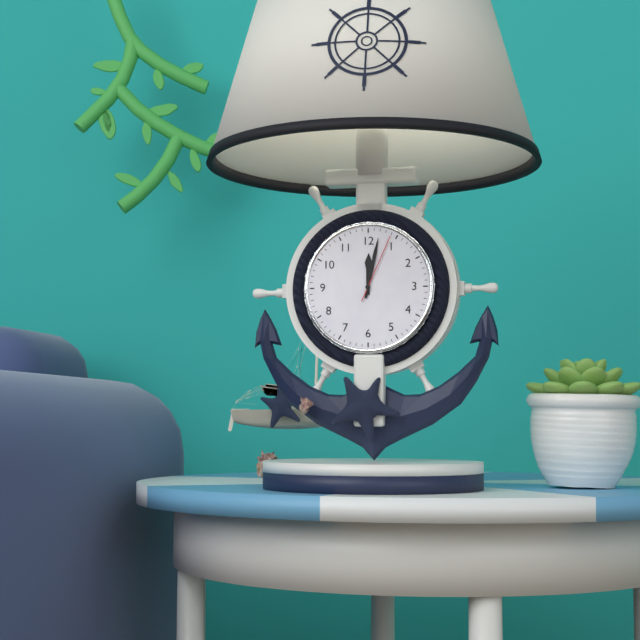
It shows {"hour": 12, "minute": 2, "second": 4}
